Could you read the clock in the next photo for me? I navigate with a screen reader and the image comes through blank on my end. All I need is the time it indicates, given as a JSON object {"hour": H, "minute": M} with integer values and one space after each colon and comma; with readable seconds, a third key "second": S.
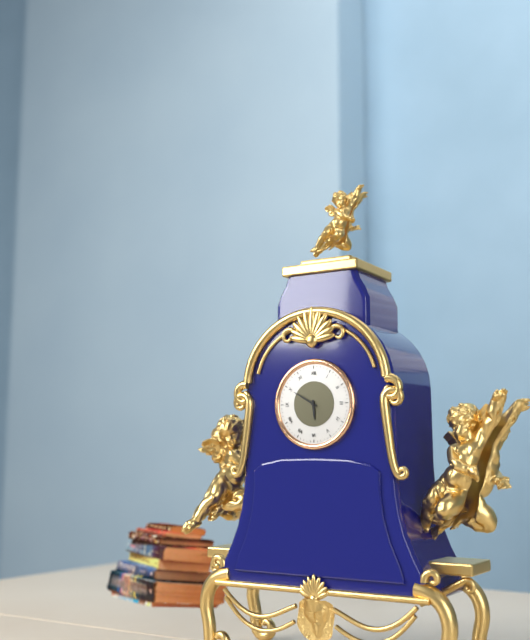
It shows {"hour": 5, "minute": 50}
